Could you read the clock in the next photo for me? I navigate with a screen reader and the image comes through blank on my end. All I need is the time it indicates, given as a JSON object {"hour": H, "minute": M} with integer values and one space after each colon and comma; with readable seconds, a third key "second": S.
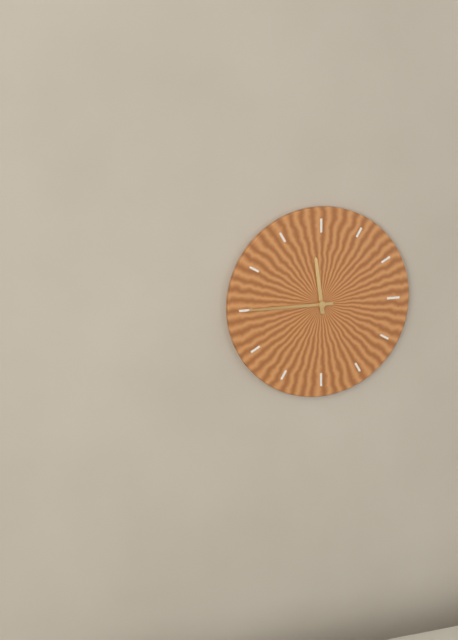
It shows {"hour": 11, "minute": 45}
